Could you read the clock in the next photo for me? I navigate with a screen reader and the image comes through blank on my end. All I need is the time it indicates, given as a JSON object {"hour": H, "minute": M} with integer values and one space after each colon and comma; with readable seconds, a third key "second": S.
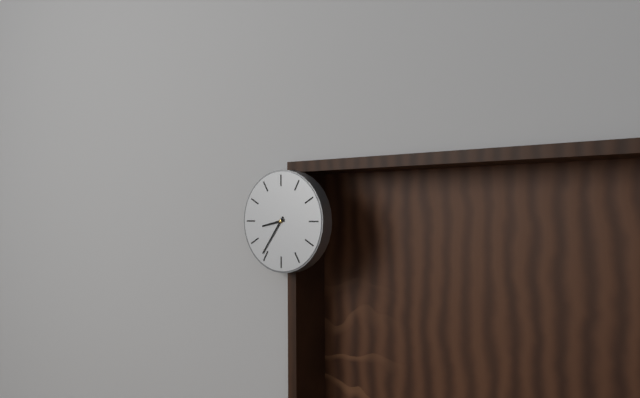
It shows {"hour": 8, "minute": 36}
